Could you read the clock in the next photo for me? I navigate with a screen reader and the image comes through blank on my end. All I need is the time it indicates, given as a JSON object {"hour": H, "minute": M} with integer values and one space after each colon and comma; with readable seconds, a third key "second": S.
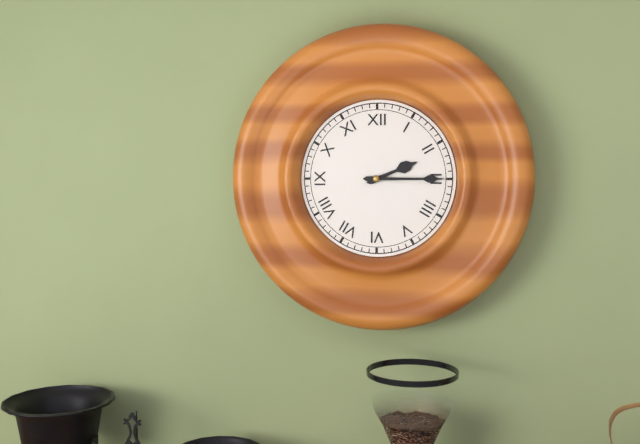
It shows {"hour": 2, "minute": 15}
